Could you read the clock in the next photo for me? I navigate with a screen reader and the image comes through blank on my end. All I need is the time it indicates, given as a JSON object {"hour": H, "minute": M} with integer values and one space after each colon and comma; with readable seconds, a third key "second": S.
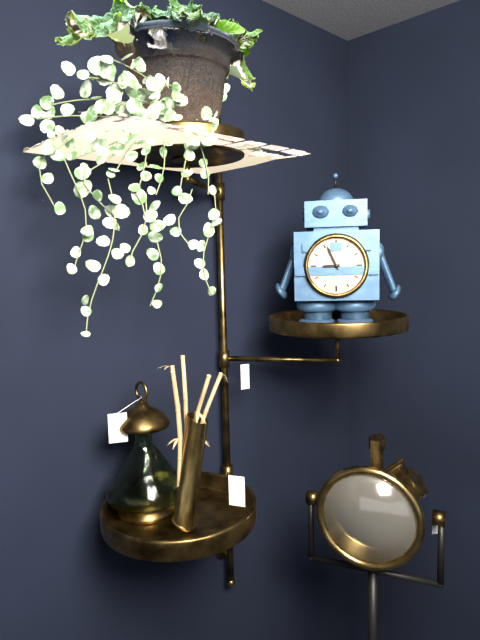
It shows {"hour": 8, "minute": 56}
